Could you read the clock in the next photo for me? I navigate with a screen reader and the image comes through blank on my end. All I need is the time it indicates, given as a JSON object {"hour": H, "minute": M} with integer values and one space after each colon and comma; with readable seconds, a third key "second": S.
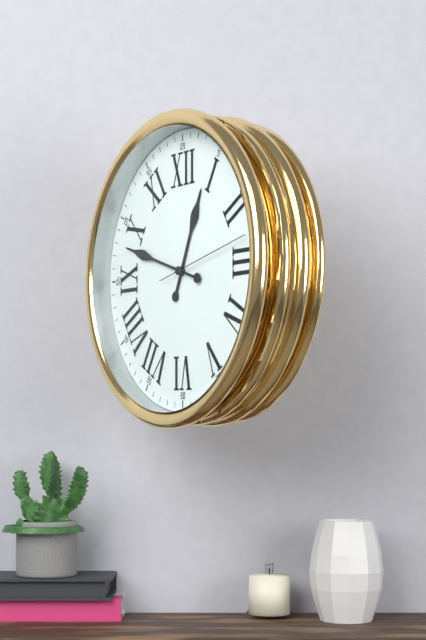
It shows {"hour": 12, "minute": 48, "second": 13}
